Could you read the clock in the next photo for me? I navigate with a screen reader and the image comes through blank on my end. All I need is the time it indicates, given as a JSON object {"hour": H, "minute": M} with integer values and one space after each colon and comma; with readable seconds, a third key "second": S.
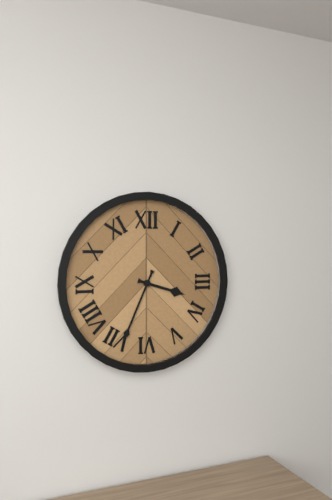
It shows {"hour": 3, "minute": 34}
